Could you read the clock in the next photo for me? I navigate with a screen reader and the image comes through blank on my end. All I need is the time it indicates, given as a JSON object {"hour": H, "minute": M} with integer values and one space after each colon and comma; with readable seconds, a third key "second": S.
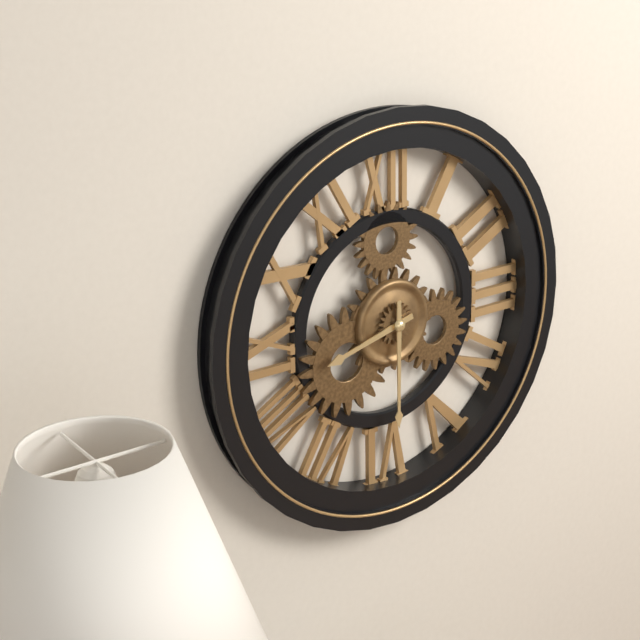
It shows {"hour": 8, "minute": 30}
